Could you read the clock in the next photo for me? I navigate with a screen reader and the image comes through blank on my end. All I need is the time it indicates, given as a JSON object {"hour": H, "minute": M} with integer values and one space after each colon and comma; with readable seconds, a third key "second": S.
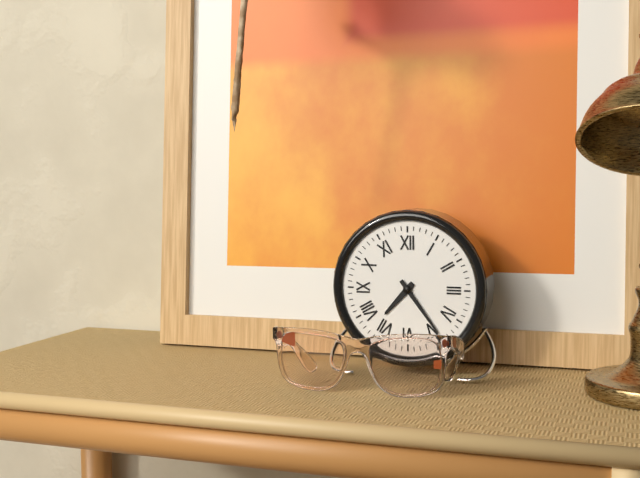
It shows {"hour": 7, "minute": 24}
